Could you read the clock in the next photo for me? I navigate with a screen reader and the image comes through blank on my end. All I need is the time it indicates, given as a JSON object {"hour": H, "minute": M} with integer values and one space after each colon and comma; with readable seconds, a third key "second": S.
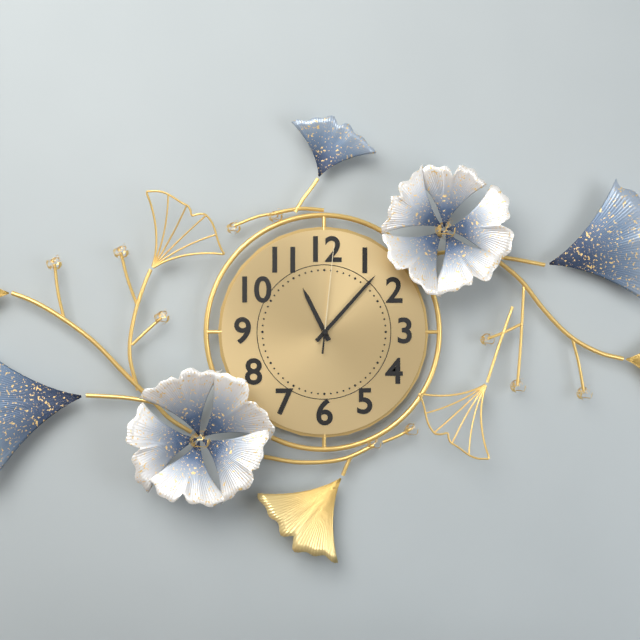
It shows {"hour": 11, "minute": 7, "second": 1}
